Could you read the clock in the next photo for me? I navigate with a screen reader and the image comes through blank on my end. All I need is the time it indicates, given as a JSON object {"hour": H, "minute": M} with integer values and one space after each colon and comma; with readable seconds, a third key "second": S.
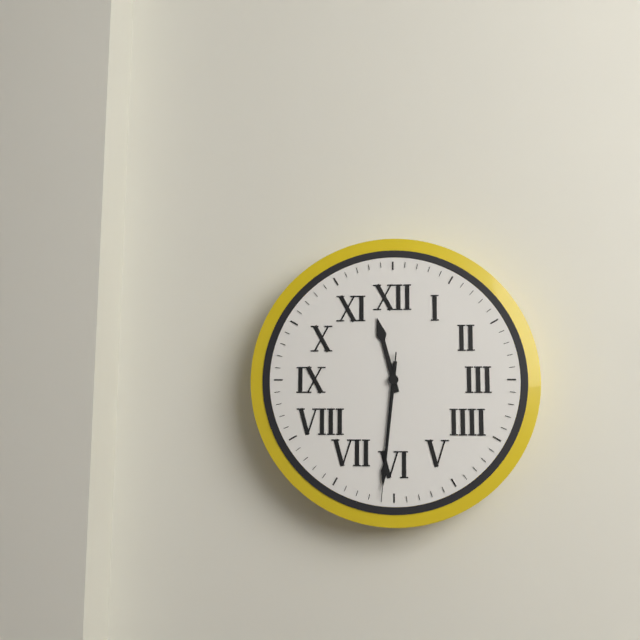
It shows {"hour": 11, "minute": 31, "second": 31}
